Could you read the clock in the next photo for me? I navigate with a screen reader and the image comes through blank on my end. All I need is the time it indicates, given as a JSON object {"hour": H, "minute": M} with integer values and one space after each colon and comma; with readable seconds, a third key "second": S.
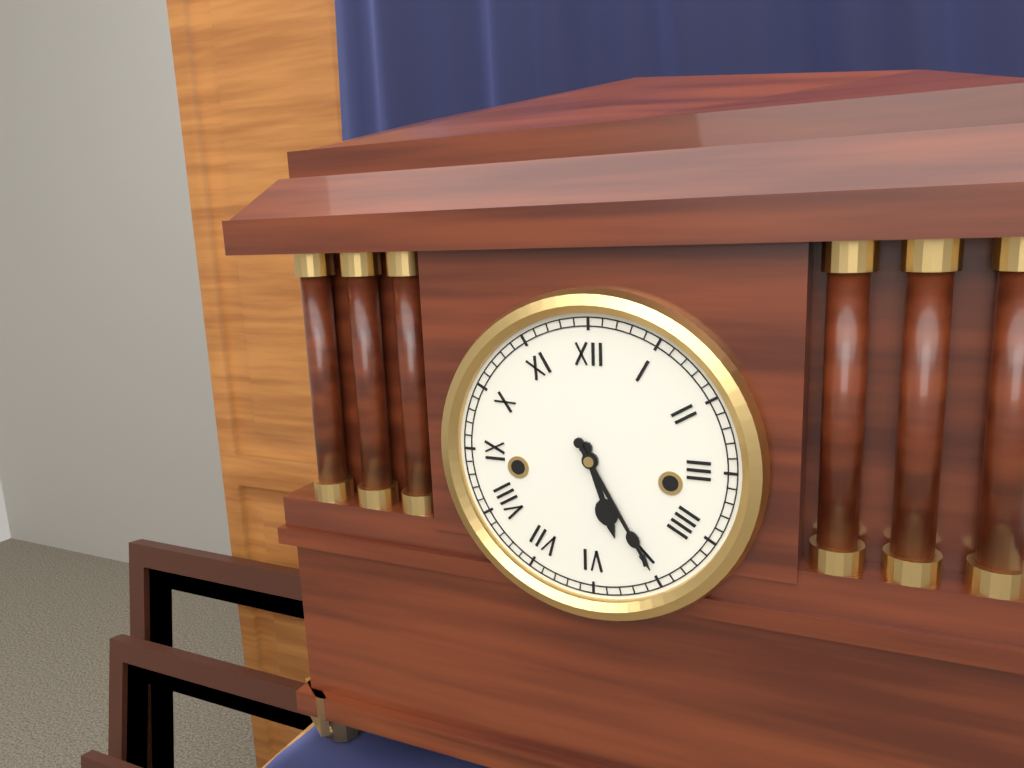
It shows {"hour": 5, "minute": 25}
